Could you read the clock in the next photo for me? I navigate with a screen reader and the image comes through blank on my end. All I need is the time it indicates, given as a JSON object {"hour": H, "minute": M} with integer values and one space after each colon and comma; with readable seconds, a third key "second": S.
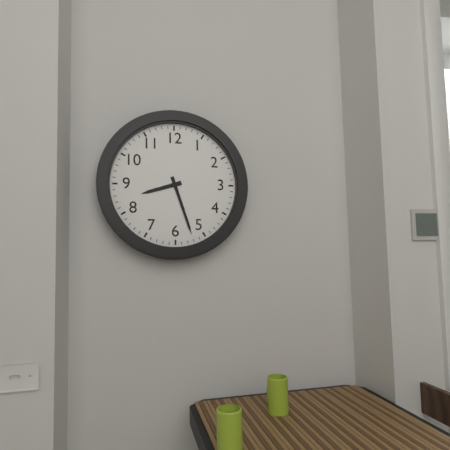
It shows {"hour": 8, "minute": 27}
